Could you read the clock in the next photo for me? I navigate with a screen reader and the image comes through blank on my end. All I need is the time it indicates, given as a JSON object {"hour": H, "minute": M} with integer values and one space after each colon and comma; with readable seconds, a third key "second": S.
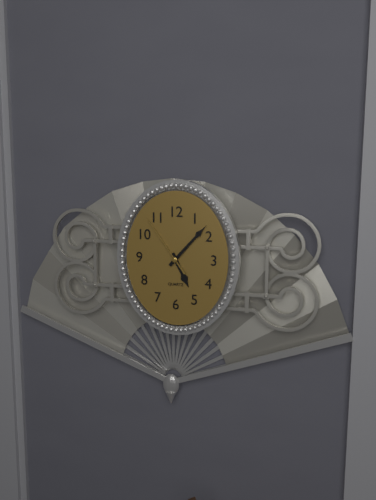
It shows {"hour": 5, "minute": 7, "second": 54}
